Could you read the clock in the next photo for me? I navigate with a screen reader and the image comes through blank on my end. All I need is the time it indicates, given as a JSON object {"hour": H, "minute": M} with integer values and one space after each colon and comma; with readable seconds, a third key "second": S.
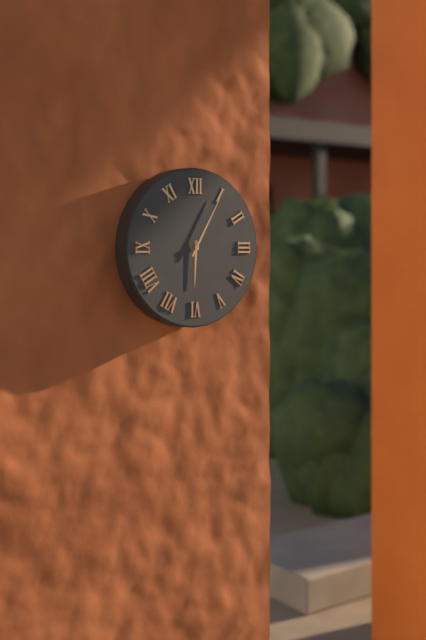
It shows {"hour": 6, "minute": 5}
